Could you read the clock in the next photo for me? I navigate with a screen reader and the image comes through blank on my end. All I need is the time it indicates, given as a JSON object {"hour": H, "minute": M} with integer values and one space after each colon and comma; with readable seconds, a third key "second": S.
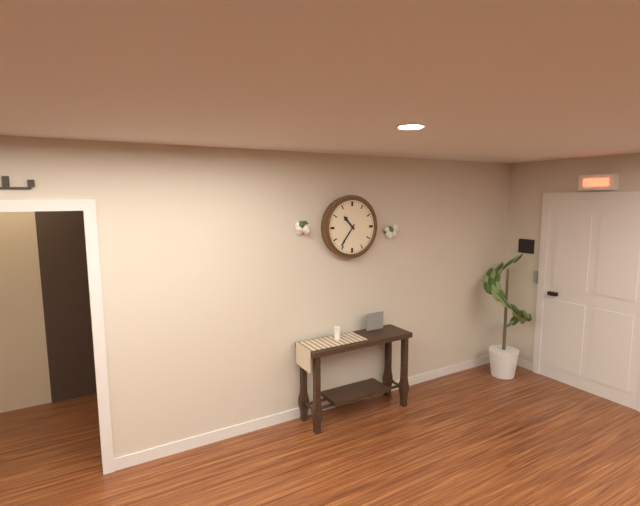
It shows {"hour": 10, "minute": 36}
